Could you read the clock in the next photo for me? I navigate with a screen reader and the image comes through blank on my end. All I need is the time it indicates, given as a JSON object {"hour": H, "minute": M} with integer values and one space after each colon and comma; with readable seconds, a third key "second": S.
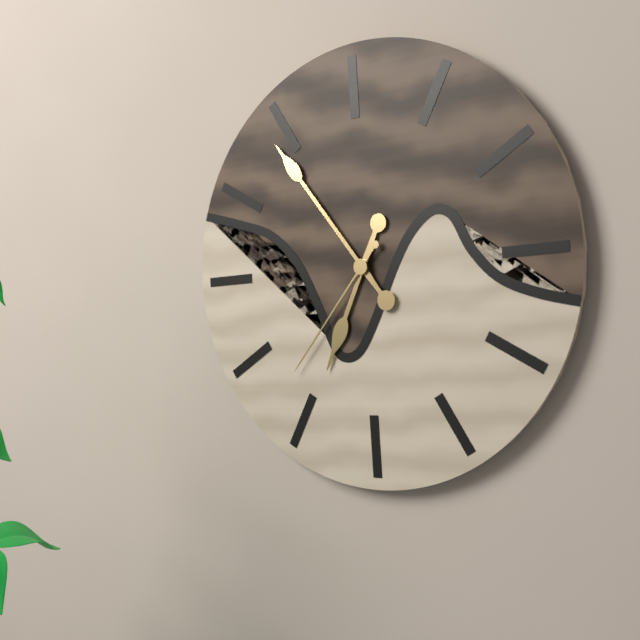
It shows {"hour": 6, "minute": 54, "second": 37}
